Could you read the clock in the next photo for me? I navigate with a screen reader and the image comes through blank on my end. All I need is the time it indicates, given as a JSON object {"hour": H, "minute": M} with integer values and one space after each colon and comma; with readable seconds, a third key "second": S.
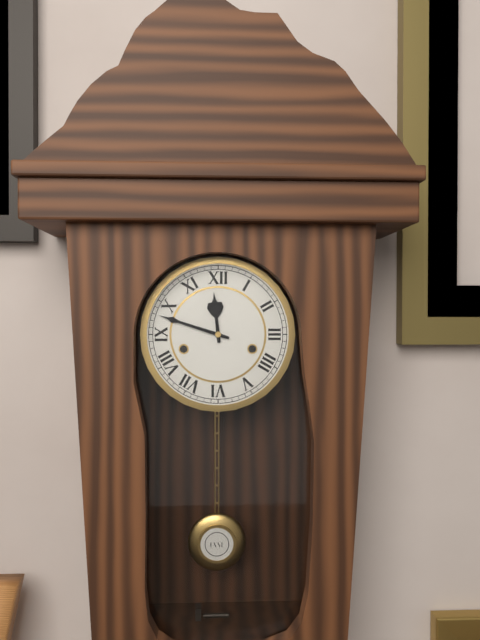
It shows {"hour": 11, "minute": 48}
